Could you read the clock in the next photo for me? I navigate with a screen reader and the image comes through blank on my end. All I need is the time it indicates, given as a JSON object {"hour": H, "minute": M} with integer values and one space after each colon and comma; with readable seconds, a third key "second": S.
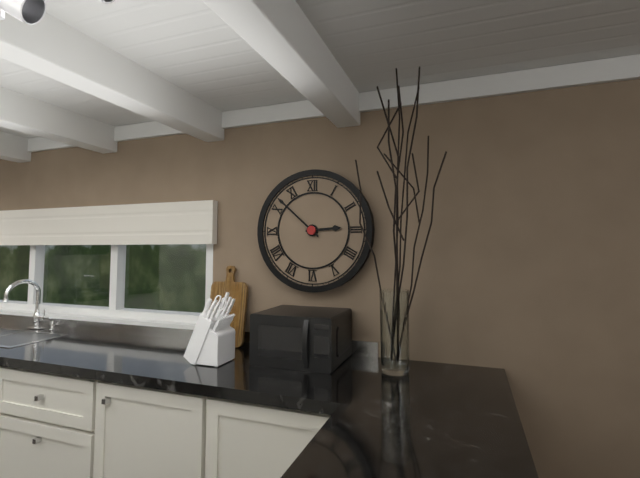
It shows {"hour": 2, "minute": 52}
